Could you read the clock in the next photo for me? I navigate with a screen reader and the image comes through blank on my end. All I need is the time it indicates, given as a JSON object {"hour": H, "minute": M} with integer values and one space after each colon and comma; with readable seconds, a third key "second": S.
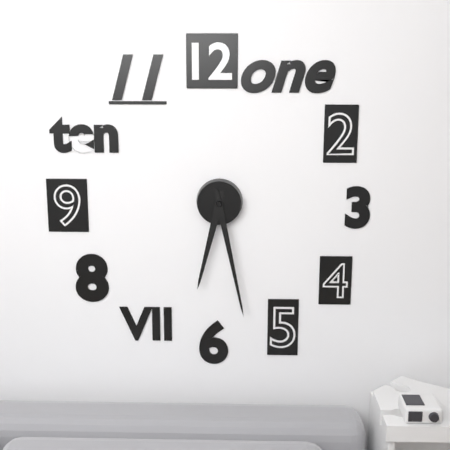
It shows {"hour": 6, "minute": 28}
